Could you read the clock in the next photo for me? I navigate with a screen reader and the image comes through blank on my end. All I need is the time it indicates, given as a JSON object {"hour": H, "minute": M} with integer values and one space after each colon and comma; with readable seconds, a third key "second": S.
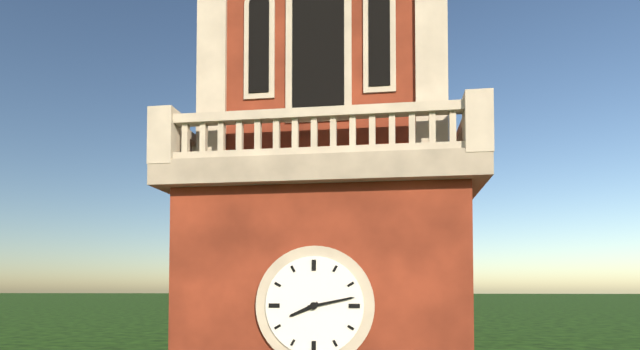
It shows {"hour": 8, "minute": 13}
